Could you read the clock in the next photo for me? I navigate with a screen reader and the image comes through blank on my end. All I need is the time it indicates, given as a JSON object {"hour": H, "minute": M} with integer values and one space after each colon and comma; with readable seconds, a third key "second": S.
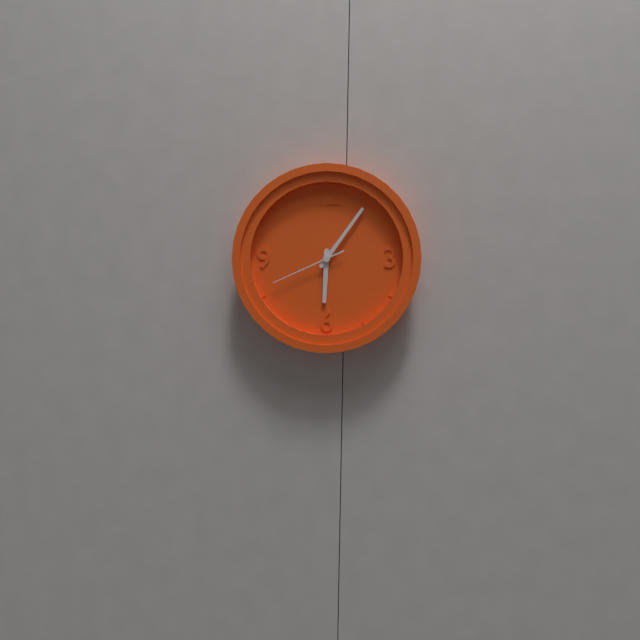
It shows {"hour": 6, "minute": 6, "second": 41}
